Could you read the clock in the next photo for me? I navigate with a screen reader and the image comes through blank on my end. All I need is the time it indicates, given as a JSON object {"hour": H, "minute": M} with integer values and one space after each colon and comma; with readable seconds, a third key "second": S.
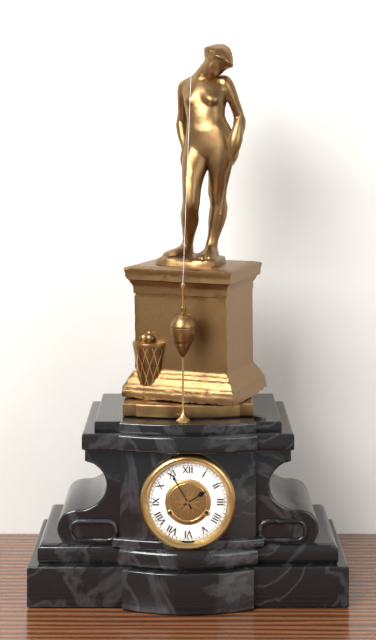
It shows {"hour": 1, "minute": 55}
